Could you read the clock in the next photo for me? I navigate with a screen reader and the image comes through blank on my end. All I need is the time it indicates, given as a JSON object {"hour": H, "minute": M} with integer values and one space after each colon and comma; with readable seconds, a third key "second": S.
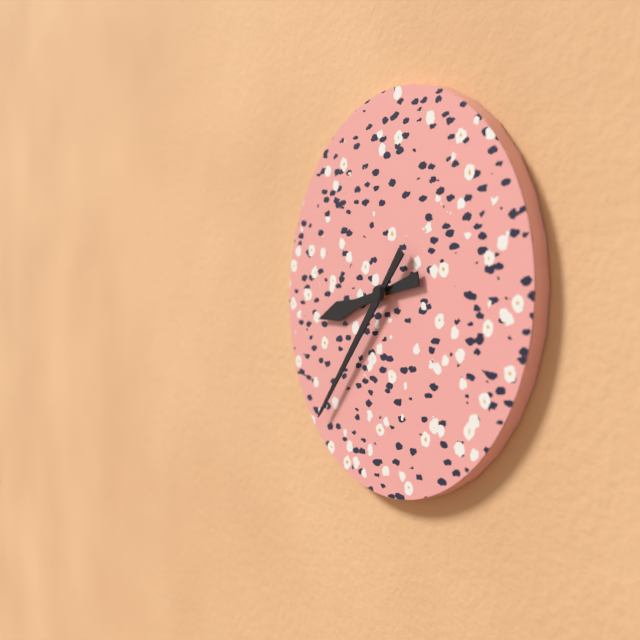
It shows {"hour": 8, "minute": 37}
